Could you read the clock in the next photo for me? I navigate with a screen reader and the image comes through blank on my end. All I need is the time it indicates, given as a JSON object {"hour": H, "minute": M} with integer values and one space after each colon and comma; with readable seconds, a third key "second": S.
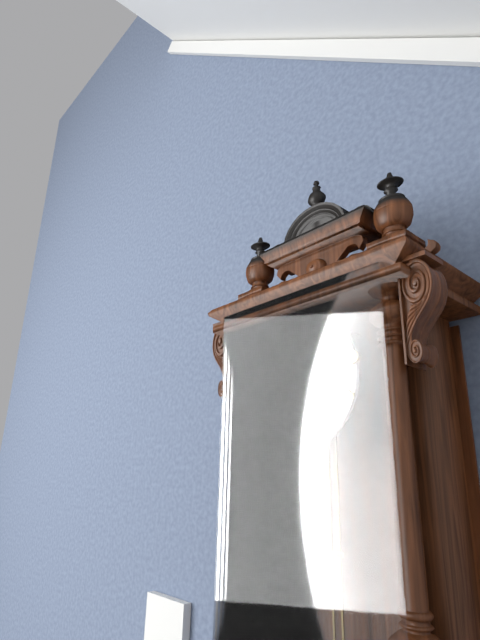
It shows {"hour": 8, "minute": 36}
